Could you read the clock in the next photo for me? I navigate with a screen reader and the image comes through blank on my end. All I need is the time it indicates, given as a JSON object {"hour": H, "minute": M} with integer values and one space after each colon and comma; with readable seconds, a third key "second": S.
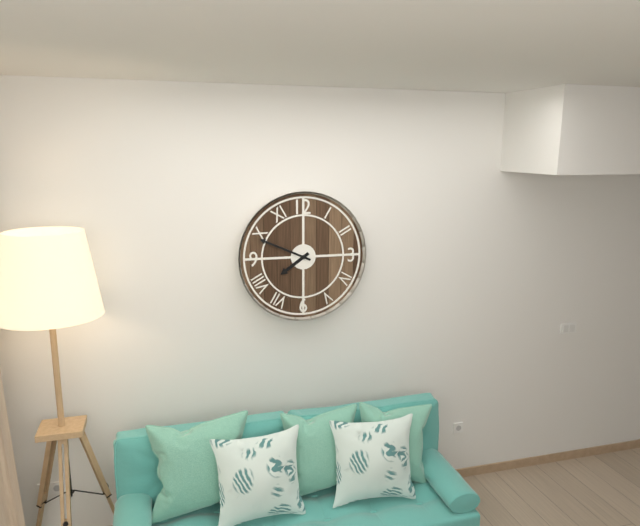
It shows {"hour": 7, "minute": 49}
